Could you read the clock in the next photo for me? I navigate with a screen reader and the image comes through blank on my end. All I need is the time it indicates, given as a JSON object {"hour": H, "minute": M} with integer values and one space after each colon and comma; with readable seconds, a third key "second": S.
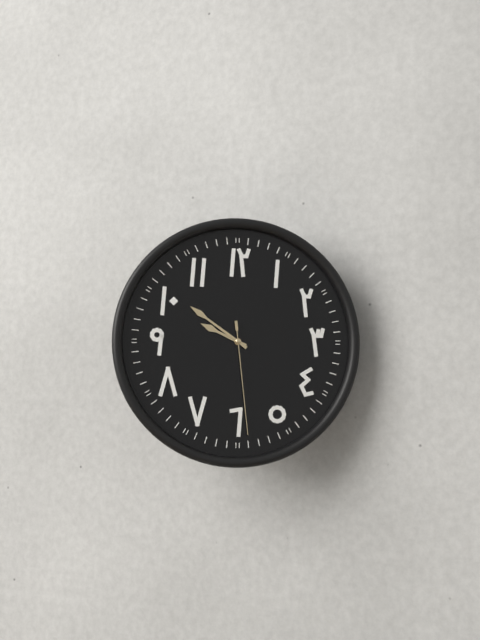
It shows {"hour": 9, "minute": 51, "second": 29}
